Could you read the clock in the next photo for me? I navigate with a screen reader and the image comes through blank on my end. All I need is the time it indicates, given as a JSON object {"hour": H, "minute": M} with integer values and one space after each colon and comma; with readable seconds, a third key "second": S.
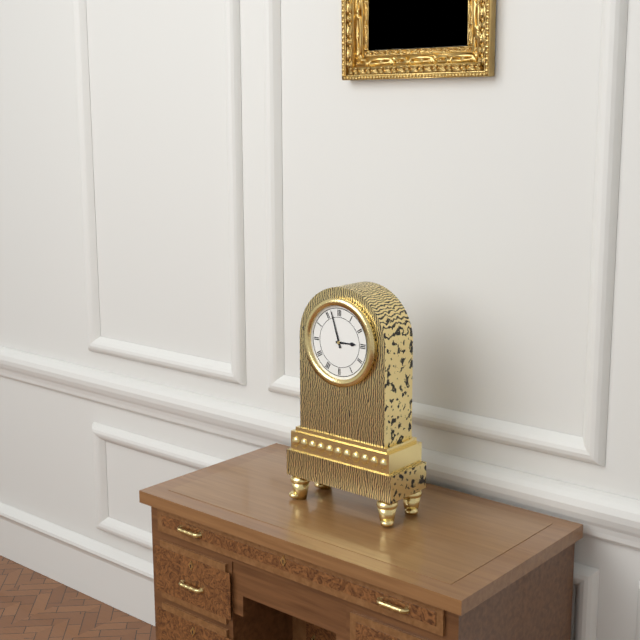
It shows {"hour": 2, "minute": 57}
